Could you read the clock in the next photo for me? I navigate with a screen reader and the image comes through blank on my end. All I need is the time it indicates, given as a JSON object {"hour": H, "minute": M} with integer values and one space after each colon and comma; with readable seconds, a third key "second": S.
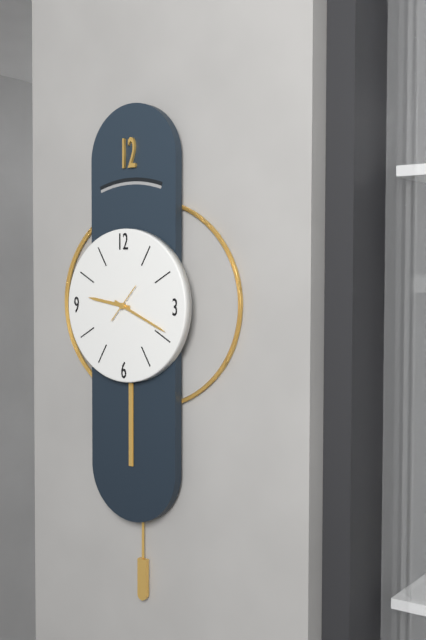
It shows {"hour": 9, "minute": 19}
